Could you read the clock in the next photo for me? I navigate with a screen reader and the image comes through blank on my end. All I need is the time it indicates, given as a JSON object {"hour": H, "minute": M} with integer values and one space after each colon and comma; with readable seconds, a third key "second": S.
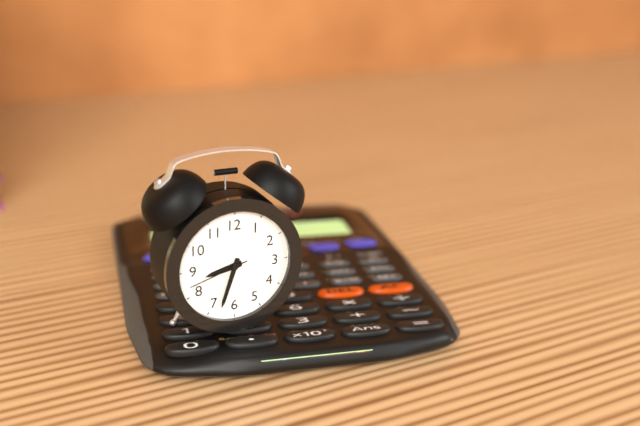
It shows {"hour": 8, "minute": 33, "second": 42}
